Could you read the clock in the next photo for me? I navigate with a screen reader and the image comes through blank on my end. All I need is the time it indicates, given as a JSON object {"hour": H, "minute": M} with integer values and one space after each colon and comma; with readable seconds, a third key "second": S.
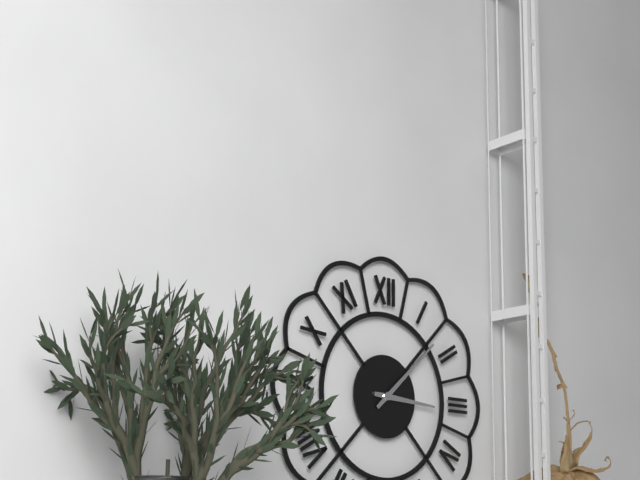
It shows {"hour": 3, "minute": 8}
